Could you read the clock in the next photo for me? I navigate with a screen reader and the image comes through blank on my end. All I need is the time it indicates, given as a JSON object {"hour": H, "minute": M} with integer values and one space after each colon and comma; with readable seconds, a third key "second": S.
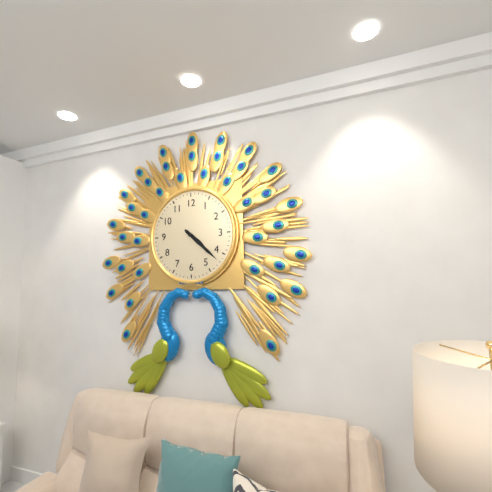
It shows {"hour": 4, "minute": 22}
